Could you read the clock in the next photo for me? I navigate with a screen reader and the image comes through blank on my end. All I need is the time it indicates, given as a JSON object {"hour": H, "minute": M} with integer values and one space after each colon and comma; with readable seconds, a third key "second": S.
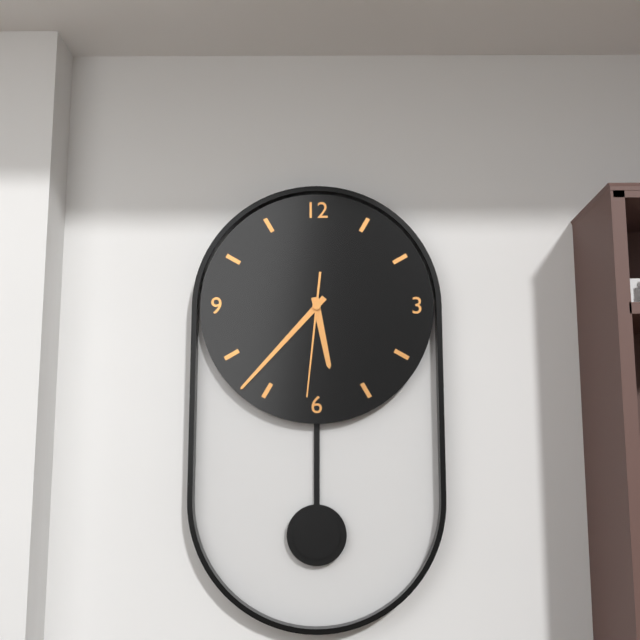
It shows {"hour": 5, "minute": 37, "second": 31}
